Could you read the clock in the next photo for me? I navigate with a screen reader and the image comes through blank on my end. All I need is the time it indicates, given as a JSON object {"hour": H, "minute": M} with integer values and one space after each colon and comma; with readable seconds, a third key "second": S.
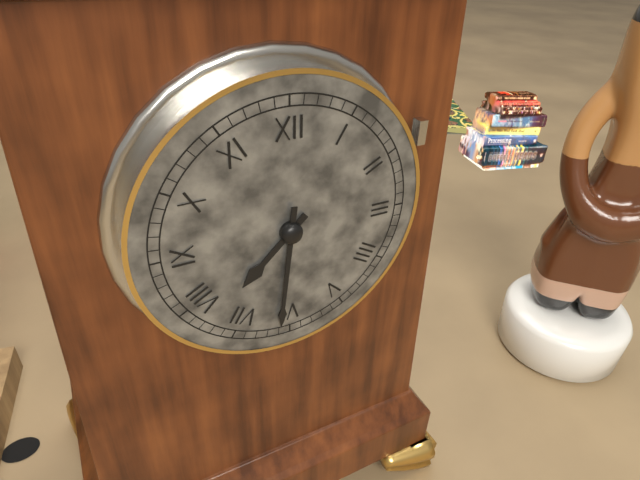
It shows {"hour": 7, "minute": 31}
